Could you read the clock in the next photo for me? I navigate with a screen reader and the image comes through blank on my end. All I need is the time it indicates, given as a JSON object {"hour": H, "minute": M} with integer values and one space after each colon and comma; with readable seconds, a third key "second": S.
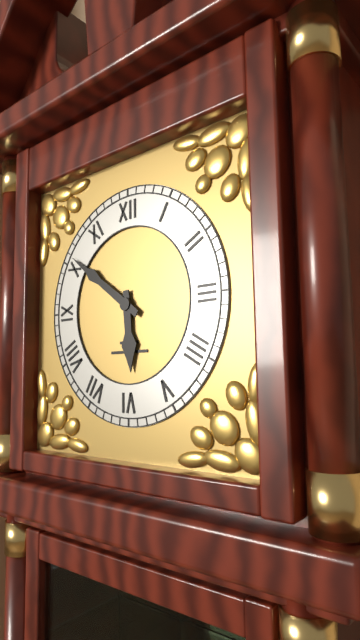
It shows {"hour": 5, "minute": 51}
